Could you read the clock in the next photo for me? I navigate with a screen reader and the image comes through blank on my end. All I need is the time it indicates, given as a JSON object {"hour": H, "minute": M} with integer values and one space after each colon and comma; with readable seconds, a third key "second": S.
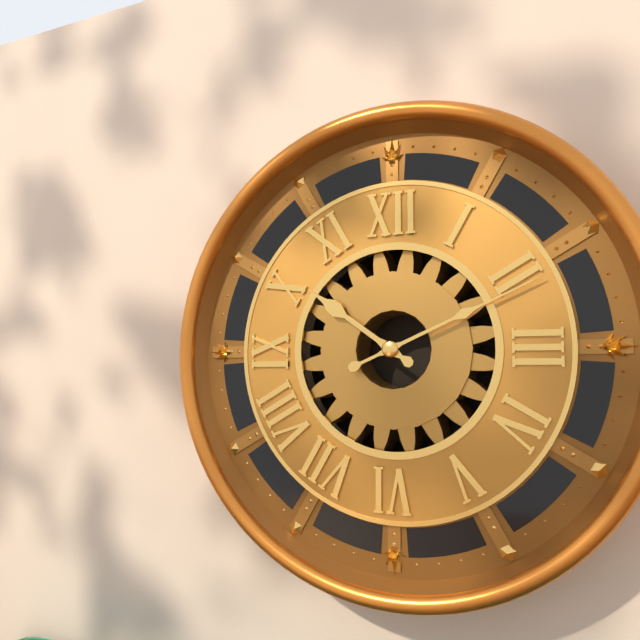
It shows {"hour": 10, "minute": 11}
